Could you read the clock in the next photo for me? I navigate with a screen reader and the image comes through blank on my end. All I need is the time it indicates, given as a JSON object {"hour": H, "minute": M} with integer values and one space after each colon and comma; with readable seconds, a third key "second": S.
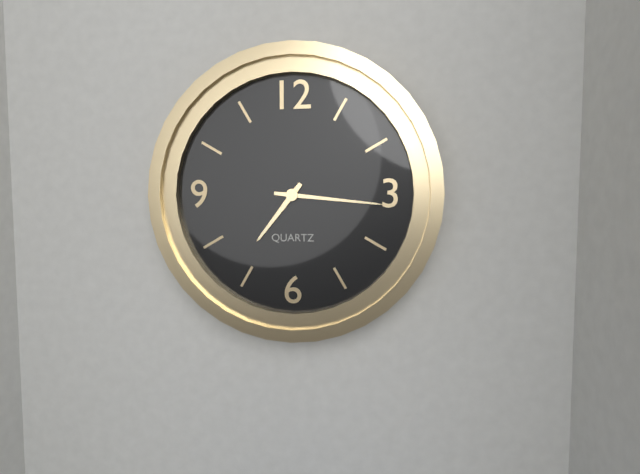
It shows {"hour": 7, "minute": 16}
